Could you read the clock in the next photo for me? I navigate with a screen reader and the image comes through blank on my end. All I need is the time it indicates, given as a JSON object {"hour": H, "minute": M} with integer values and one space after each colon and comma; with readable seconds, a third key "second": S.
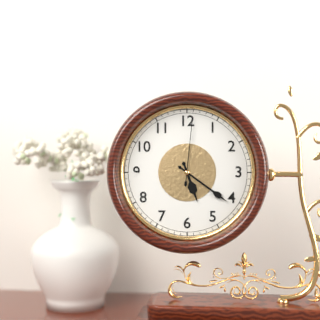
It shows {"hour": 5, "minute": 21, "second": 1}
